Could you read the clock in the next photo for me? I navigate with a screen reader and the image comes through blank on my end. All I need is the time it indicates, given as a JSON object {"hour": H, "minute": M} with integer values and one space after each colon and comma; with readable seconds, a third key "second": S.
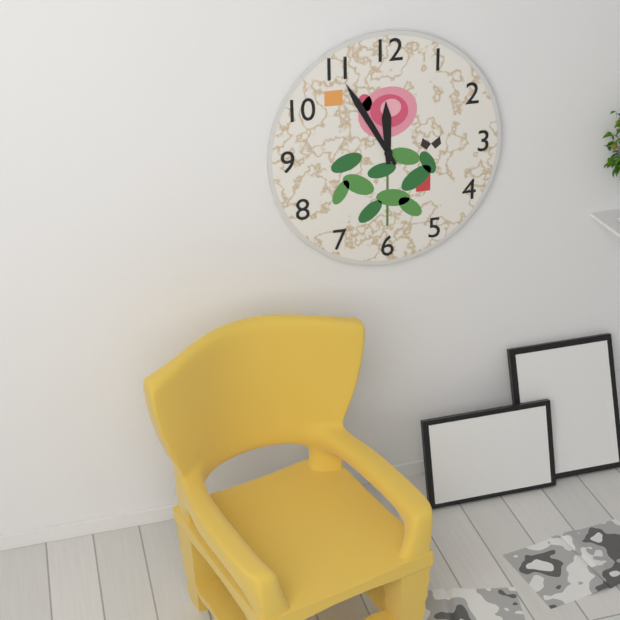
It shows {"hour": 11, "minute": 55}
